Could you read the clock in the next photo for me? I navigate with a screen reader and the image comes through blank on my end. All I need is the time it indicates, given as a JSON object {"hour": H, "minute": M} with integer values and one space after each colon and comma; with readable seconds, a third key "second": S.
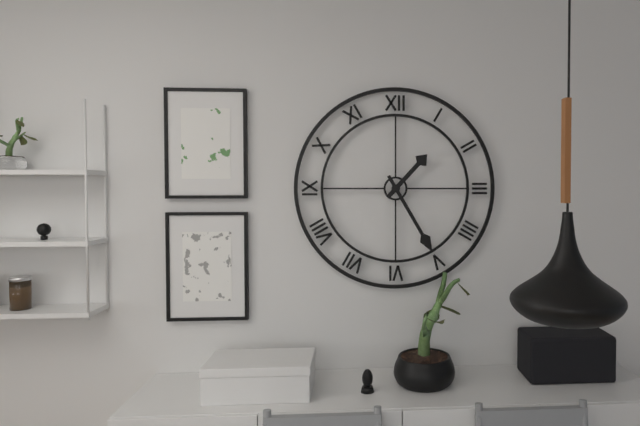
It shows {"hour": 1, "minute": 25}
